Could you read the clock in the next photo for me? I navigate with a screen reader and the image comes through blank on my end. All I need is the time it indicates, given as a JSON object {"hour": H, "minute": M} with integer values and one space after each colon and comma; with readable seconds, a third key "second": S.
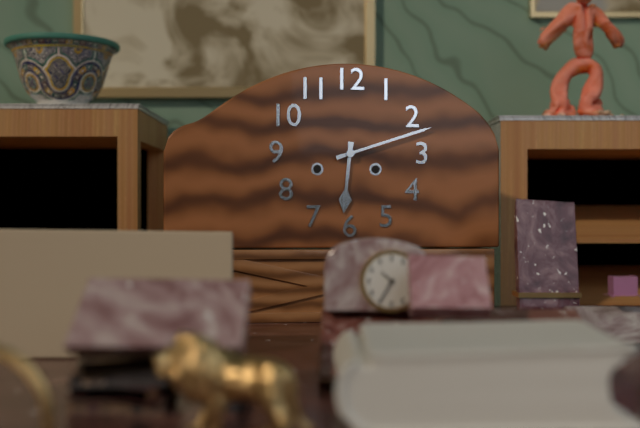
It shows {"hour": 6, "minute": 12}
